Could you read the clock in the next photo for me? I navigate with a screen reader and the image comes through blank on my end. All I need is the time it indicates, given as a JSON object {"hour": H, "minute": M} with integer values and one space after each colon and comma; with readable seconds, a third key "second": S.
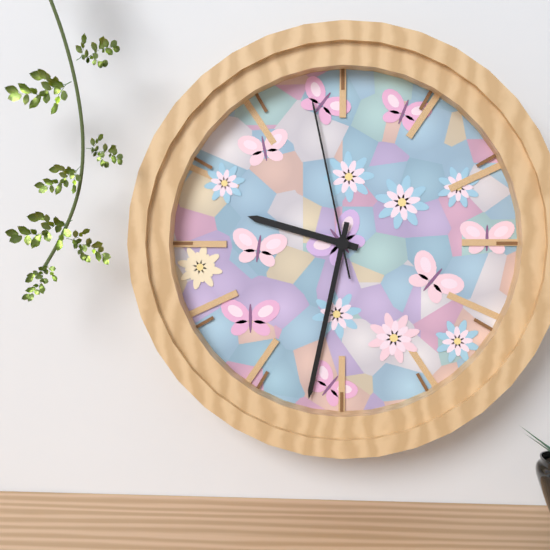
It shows {"hour": 9, "minute": 32, "second": 58}
